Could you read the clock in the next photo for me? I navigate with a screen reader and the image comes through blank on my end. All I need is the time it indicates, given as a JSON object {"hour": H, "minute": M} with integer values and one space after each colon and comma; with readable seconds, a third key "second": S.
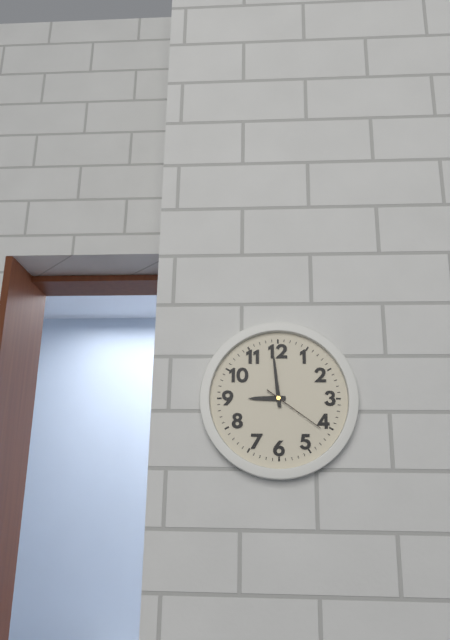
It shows {"hour": 8, "minute": 59, "second": 21}
